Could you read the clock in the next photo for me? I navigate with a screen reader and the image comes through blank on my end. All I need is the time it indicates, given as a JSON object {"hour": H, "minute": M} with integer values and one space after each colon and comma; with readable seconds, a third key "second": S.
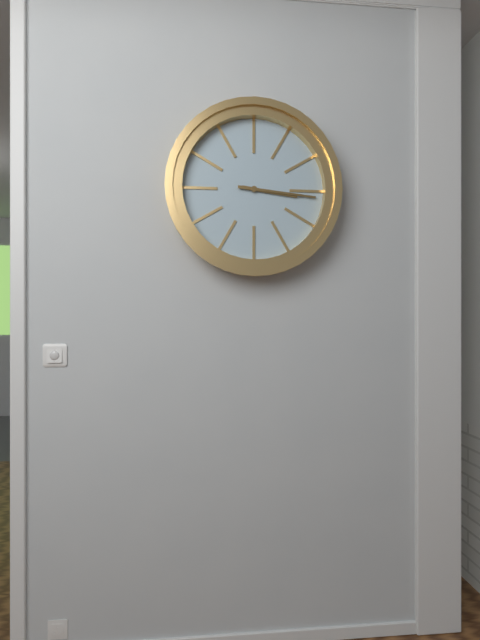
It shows {"hour": 3, "minute": 16}
